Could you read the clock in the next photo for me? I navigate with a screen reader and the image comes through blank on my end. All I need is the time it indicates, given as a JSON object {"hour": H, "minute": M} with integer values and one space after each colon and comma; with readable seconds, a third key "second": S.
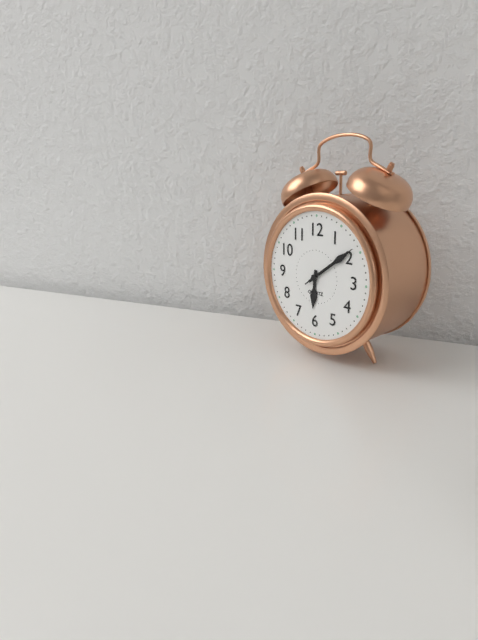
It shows {"hour": 6, "minute": 9, "second": 9}
